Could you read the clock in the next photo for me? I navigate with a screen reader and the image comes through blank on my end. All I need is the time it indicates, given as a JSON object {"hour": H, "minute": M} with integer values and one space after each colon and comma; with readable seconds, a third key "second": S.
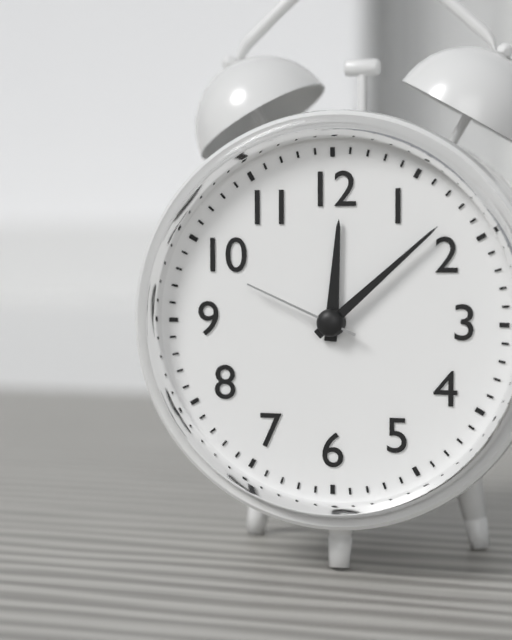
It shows {"hour": 12, "minute": 8, "second": 49}
